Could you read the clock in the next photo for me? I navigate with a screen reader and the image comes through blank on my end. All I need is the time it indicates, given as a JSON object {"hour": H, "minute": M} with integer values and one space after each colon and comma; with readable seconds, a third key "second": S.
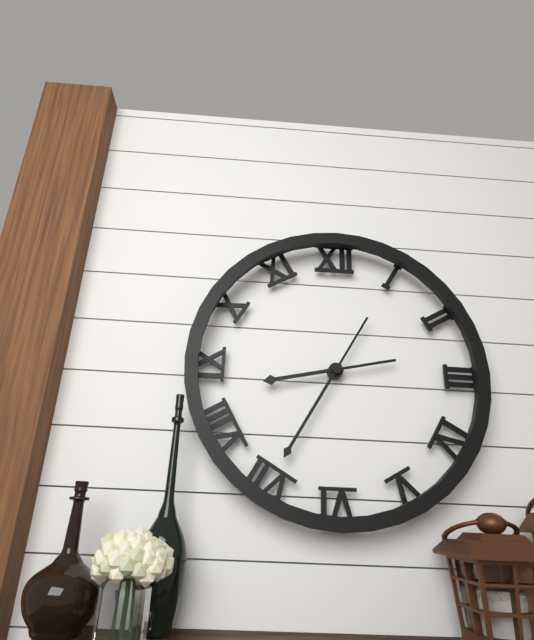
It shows {"hour": 8, "minute": 35}
